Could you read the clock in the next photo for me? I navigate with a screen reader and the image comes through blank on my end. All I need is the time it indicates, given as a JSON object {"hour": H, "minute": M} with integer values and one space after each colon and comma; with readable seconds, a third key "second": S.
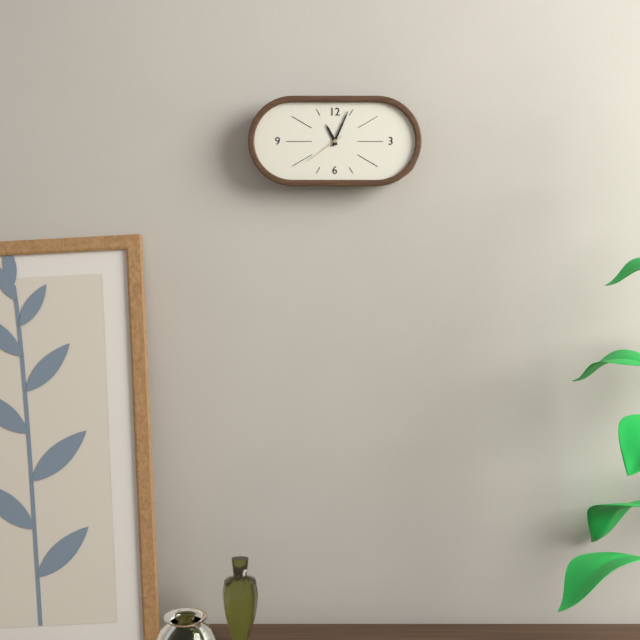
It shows {"hour": 11, "minute": 4}
